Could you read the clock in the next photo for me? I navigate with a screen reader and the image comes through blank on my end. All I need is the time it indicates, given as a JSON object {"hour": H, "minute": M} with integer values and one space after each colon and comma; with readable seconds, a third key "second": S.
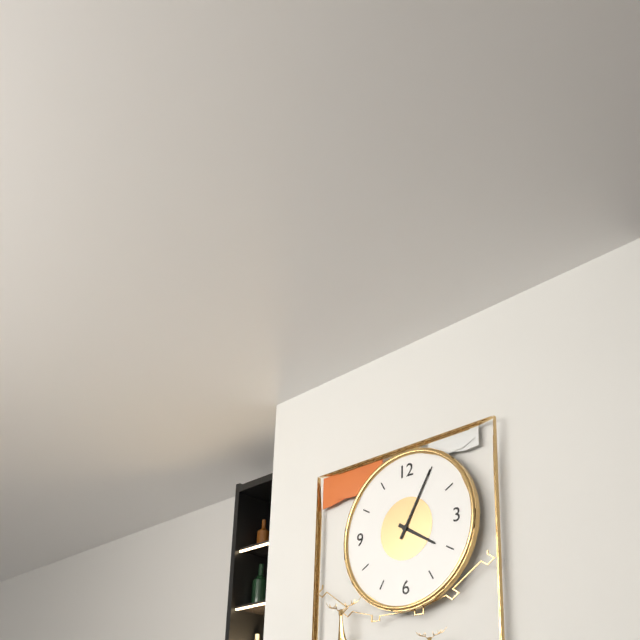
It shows {"hour": 4, "minute": 5}
